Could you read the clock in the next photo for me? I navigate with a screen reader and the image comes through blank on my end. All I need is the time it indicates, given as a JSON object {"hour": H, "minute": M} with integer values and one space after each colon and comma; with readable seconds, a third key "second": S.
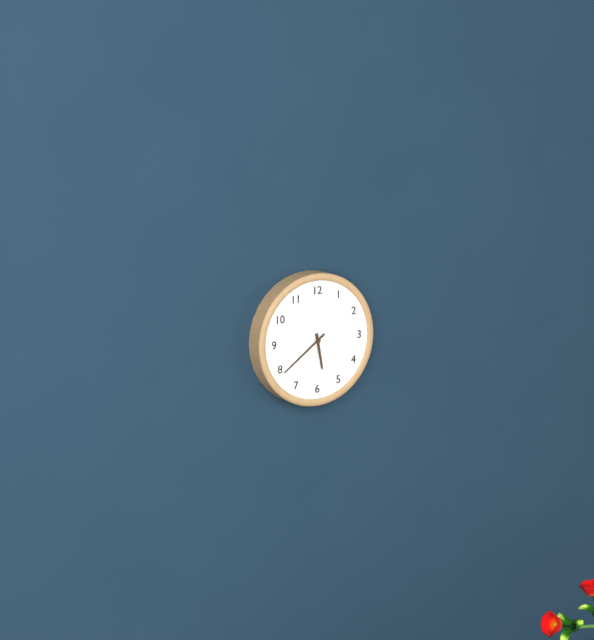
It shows {"hour": 5, "minute": 39}
